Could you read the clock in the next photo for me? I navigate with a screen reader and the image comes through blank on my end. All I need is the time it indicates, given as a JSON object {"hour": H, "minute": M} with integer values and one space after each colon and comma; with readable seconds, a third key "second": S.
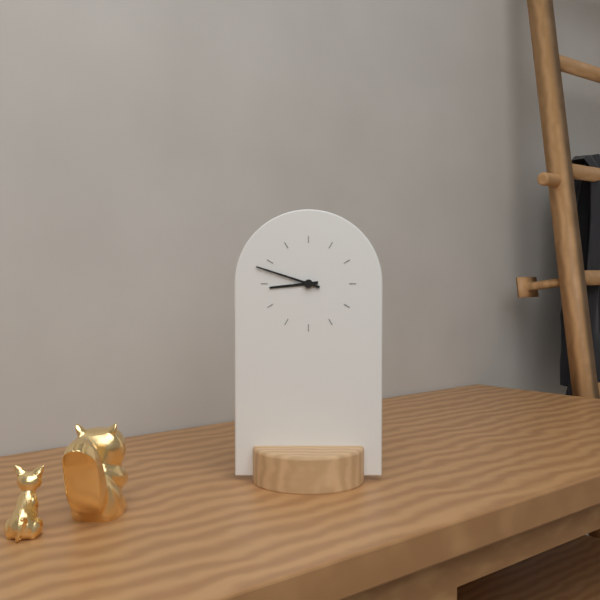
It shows {"hour": 8, "minute": 48}
